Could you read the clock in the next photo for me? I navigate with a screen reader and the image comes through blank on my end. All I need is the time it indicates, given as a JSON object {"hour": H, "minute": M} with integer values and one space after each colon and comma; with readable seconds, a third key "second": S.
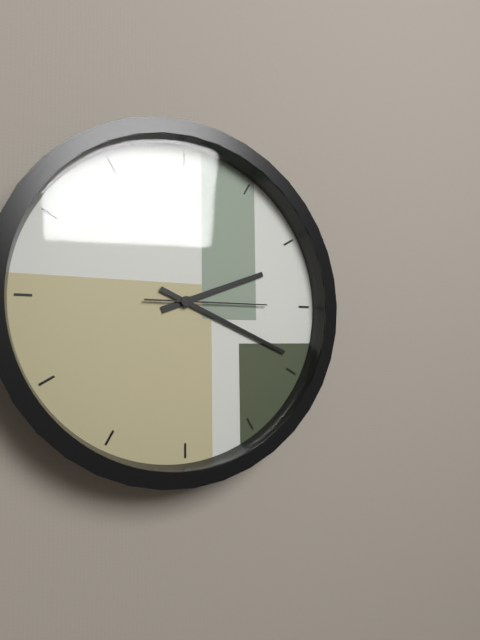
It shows {"hour": 2, "minute": 19, "second": 15}
